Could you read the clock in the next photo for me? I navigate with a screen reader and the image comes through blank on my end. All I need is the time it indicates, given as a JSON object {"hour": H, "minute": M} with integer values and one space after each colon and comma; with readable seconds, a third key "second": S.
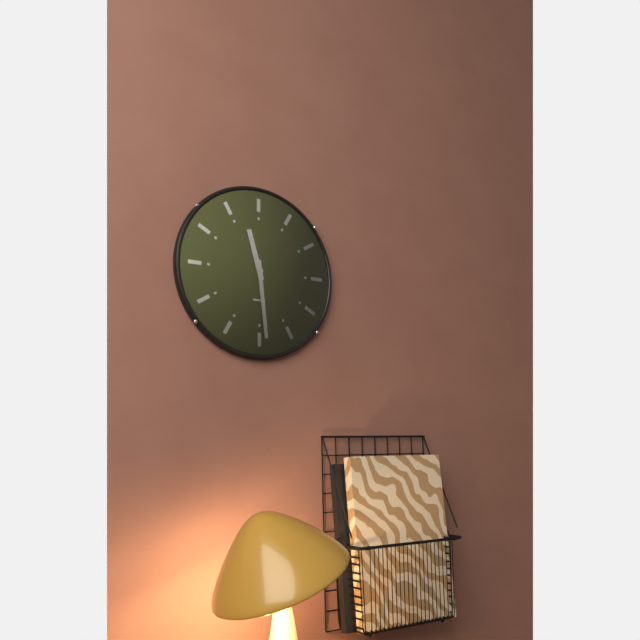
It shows {"hour": 11, "minute": 29}
